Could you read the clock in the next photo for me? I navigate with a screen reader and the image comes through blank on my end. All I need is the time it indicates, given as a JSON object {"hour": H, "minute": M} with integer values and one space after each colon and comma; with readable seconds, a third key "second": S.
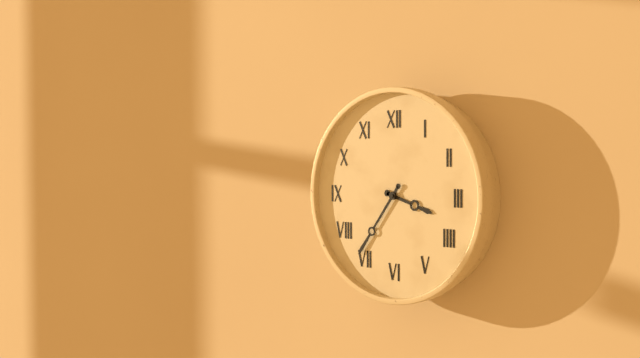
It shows {"hour": 3, "minute": 36}
